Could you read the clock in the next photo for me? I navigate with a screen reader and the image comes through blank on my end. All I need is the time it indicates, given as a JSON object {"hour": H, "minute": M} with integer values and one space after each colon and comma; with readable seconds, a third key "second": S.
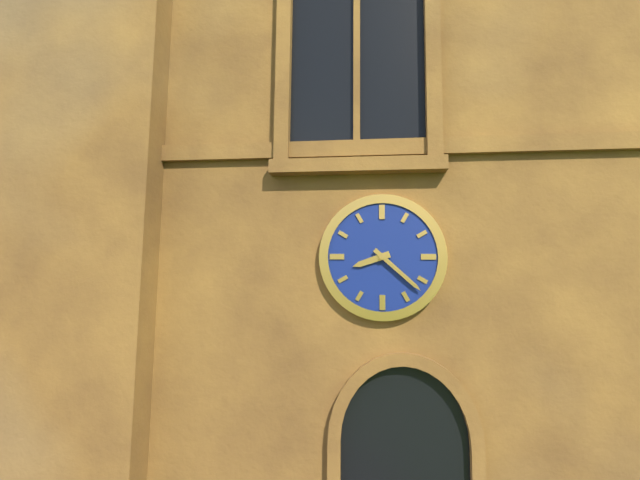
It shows {"hour": 8, "minute": 22}
